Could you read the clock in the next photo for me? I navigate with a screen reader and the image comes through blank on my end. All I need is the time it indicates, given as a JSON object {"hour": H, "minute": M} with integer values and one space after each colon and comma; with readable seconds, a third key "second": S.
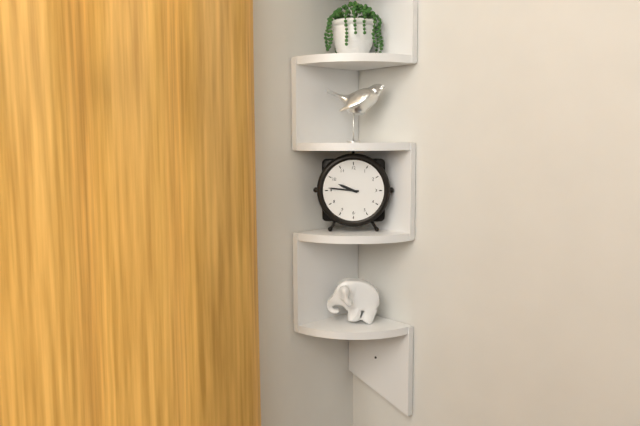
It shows {"hour": 9, "minute": 46}
